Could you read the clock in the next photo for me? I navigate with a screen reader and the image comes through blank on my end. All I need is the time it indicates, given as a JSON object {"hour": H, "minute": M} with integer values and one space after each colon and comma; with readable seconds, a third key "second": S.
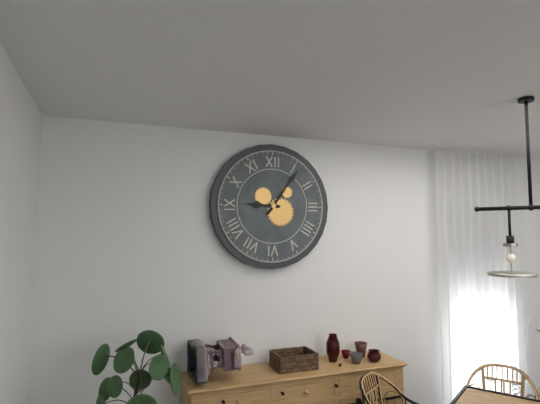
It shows {"hour": 9, "minute": 6}
